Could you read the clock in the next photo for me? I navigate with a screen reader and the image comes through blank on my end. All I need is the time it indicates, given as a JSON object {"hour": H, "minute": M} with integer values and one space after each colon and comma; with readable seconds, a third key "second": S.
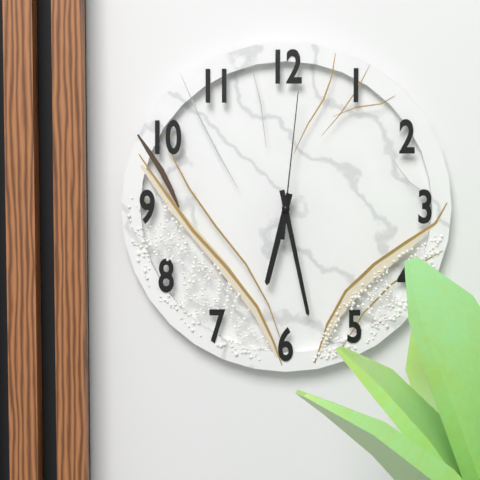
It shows {"hour": 6, "minute": 28, "second": 1}
